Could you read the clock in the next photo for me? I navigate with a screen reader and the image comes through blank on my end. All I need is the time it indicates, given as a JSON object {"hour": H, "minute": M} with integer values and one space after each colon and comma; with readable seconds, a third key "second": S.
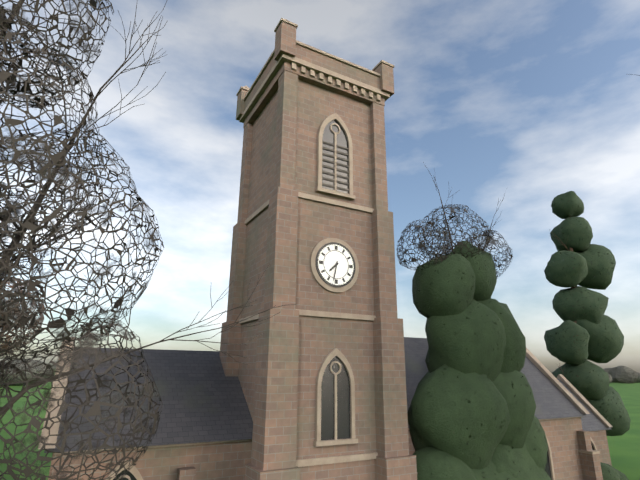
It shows {"hour": 7, "minute": 32}
